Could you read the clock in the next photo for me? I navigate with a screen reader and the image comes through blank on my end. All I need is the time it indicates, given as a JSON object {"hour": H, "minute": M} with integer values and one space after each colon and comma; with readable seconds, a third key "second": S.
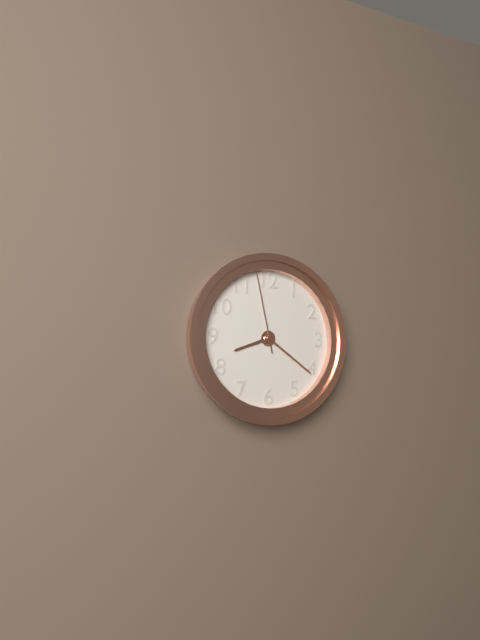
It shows {"hour": 8, "minute": 21, "second": 58}
